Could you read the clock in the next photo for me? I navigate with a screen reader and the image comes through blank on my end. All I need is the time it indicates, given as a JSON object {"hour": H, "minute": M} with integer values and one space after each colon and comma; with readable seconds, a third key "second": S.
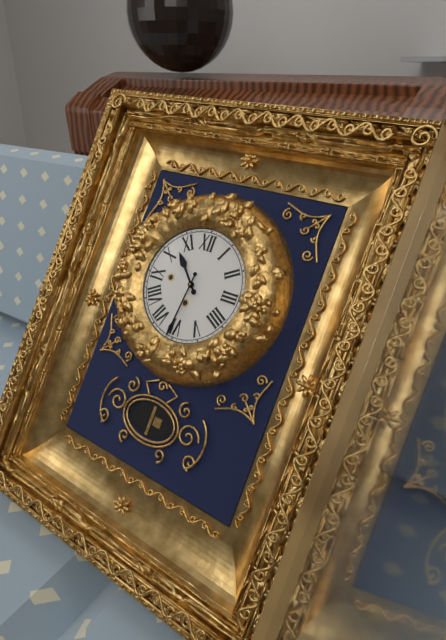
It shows {"hour": 10, "minute": 31}
